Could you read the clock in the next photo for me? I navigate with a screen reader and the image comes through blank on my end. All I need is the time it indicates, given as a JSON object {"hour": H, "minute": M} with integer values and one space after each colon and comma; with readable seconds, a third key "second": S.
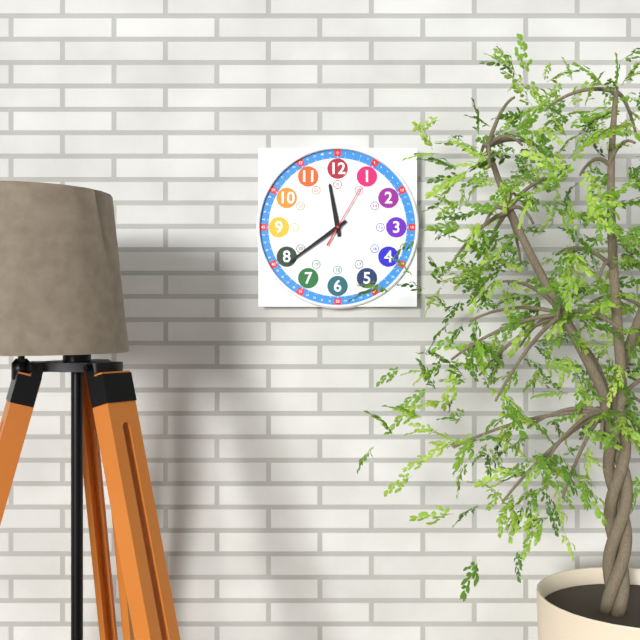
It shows {"hour": 11, "minute": 39, "second": 5}
